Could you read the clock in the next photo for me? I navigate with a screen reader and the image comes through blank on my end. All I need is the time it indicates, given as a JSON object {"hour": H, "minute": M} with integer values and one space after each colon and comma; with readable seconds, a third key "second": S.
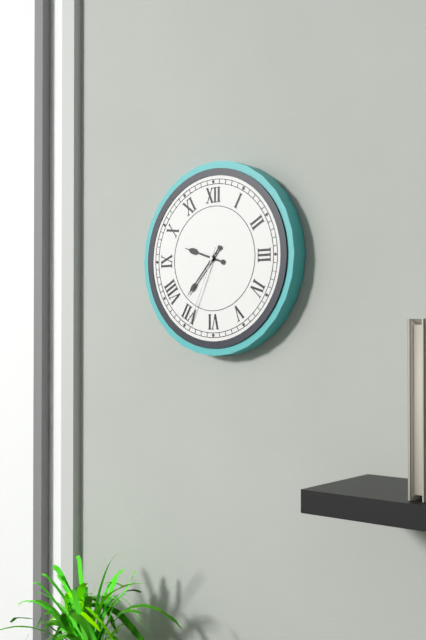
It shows {"hour": 9, "minute": 37, "second": 34}
